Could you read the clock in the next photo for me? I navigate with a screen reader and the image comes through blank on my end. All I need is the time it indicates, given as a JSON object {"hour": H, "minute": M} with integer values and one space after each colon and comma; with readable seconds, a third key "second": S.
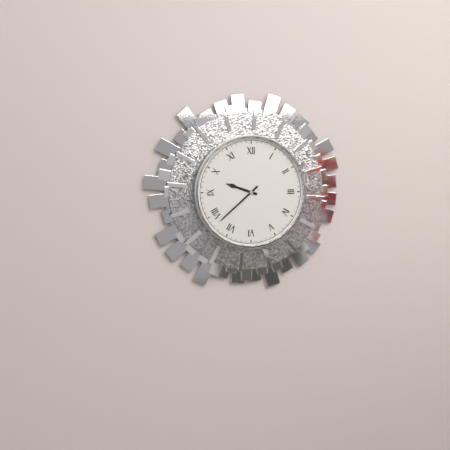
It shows {"hour": 9, "minute": 38}
